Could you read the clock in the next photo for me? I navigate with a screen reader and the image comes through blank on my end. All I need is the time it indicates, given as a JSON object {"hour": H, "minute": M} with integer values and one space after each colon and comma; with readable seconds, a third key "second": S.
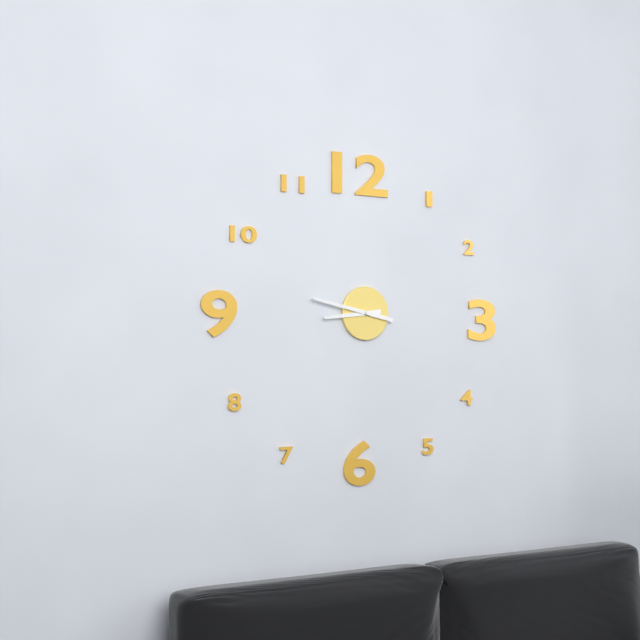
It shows {"hour": 8, "minute": 47}
